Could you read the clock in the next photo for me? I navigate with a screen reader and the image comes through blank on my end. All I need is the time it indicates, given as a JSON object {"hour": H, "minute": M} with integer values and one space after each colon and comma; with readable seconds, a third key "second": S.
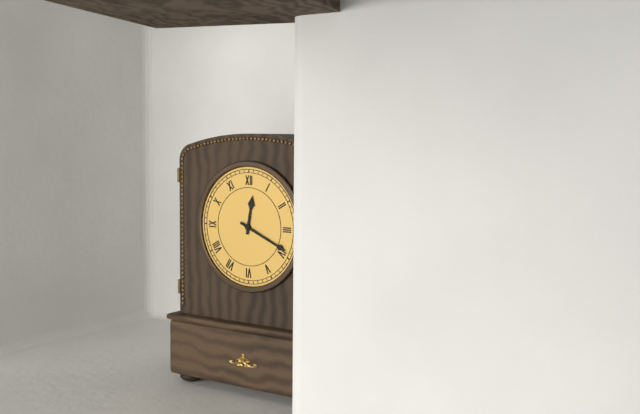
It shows {"hour": 12, "minute": 19}
